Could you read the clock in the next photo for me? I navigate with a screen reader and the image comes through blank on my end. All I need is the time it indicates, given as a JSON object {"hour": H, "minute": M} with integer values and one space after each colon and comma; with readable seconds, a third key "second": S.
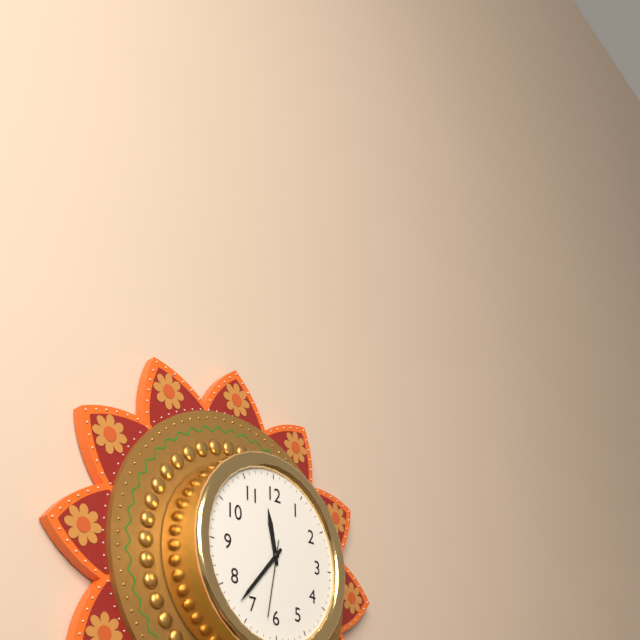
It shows {"hour": 11, "minute": 37, "second": 32}
